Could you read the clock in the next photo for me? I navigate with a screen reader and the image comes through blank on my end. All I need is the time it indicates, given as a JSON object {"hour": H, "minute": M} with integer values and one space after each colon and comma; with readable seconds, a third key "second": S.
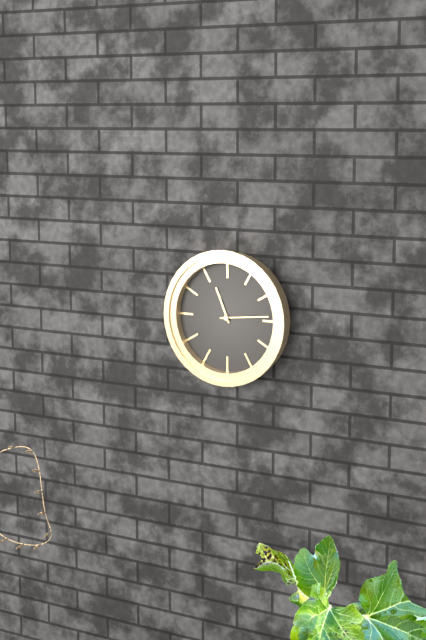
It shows {"hour": 11, "minute": 14}
